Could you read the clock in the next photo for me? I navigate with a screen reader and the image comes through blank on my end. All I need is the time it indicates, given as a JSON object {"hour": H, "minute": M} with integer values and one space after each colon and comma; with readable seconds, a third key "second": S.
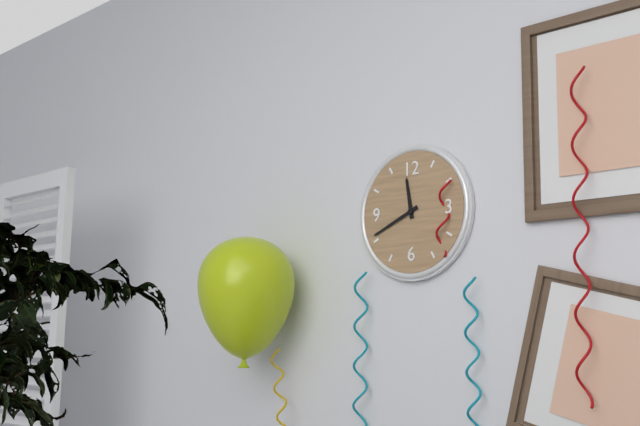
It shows {"hour": 11, "minute": 41}
